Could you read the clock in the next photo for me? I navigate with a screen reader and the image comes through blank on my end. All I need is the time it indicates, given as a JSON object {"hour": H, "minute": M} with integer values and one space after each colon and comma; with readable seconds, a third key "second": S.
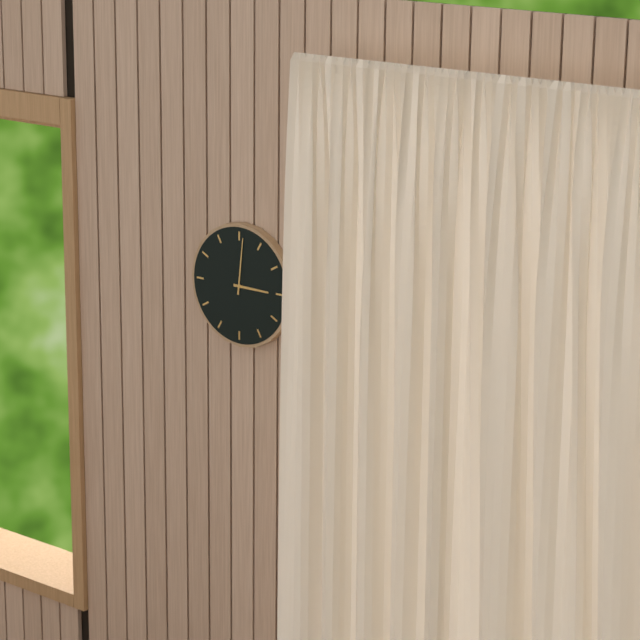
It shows {"hour": 3, "minute": 1}
